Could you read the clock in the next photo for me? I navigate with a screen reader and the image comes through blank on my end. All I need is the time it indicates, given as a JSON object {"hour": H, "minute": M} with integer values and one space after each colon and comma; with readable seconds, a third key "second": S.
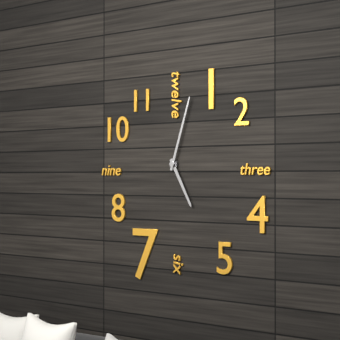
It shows {"hour": 5, "minute": 3}
